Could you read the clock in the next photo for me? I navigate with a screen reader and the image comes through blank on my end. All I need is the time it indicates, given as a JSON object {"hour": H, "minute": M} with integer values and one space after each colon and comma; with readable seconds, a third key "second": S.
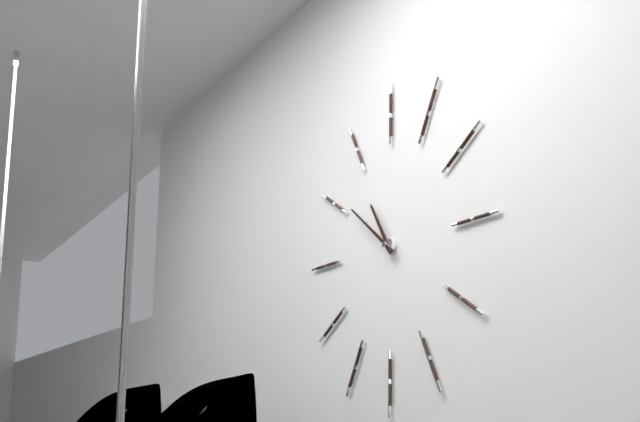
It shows {"hour": 10, "minute": 51}
